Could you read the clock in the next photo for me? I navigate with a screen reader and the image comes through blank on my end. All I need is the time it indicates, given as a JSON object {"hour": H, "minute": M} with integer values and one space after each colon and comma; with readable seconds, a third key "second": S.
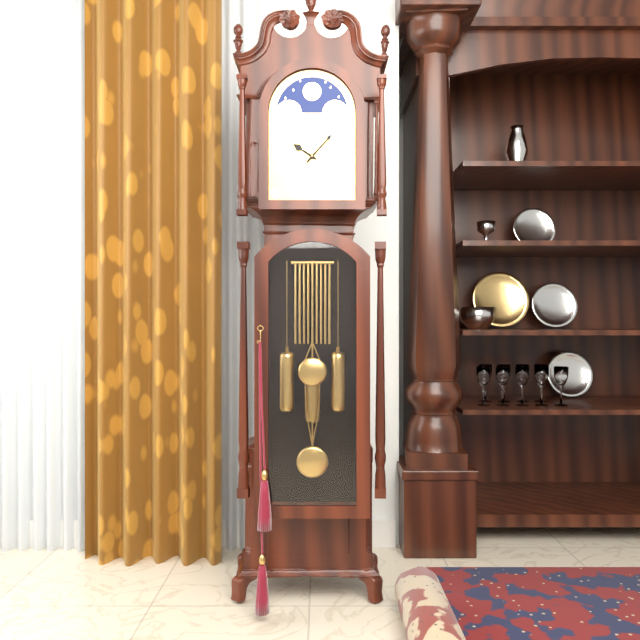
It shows {"hour": 10, "minute": 7}
